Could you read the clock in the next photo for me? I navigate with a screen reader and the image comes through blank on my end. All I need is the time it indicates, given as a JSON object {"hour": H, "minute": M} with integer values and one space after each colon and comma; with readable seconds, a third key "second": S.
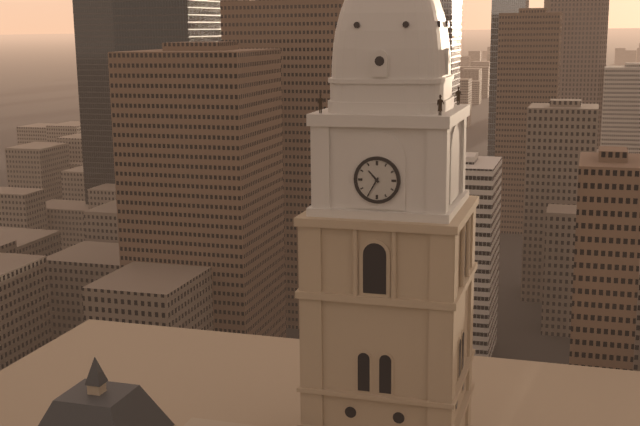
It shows {"hour": 10, "minute": 35}
